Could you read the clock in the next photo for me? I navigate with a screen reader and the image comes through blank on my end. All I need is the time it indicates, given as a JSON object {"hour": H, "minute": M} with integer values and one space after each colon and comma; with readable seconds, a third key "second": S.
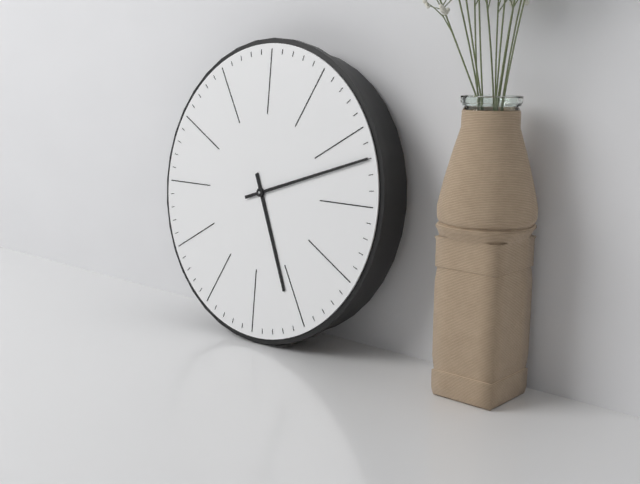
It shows {"hour": 5, "minute": 12}
